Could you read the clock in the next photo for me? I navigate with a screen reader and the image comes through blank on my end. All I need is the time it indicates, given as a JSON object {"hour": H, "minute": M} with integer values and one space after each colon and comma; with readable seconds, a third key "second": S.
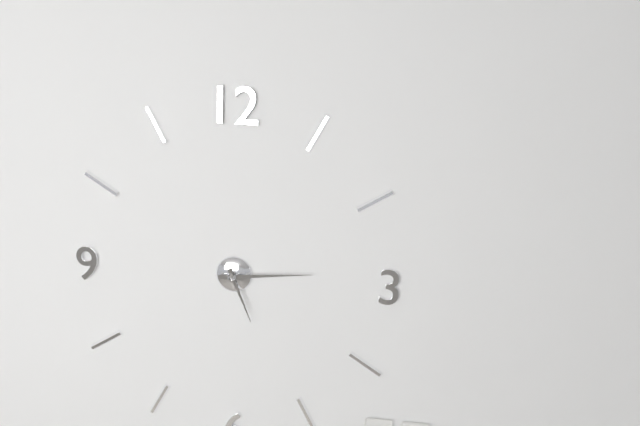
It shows {"hour": 5, "minute": 14}
